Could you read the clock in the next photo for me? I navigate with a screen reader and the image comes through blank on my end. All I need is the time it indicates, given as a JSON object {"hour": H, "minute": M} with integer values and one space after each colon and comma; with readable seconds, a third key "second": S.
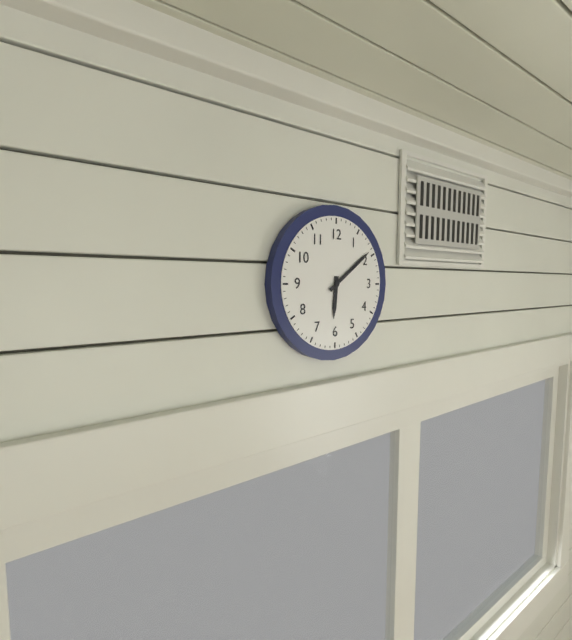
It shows {"hour": 6, "minute": 9}
